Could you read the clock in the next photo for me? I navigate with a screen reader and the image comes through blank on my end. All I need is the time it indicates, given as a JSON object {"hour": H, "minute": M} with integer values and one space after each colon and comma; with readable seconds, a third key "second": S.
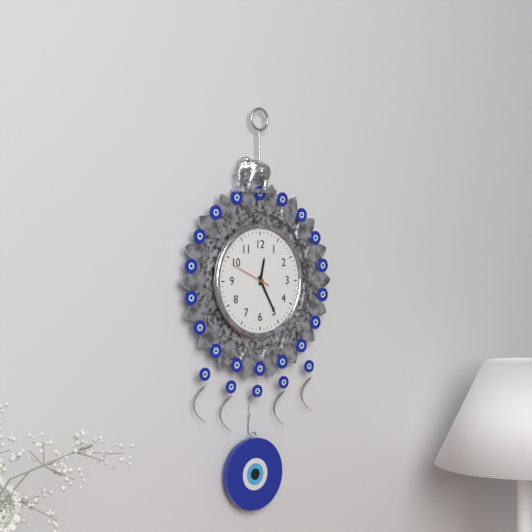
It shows {"hour": 12, "minute": 25}
